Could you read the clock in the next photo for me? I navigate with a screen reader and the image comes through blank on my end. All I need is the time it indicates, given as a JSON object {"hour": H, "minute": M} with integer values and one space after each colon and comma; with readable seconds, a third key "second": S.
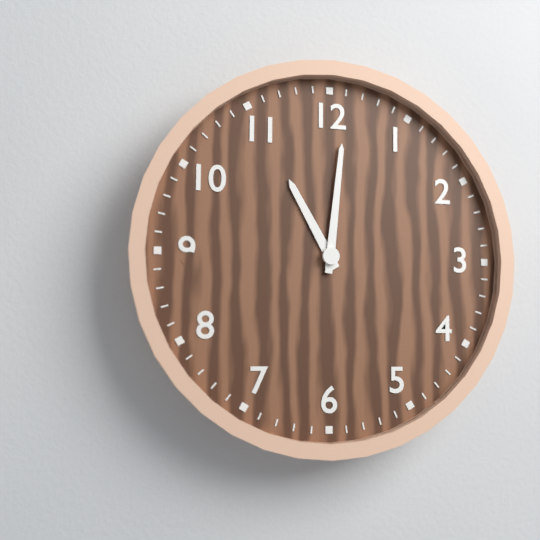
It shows {"hour": 11, "minute": 1}
